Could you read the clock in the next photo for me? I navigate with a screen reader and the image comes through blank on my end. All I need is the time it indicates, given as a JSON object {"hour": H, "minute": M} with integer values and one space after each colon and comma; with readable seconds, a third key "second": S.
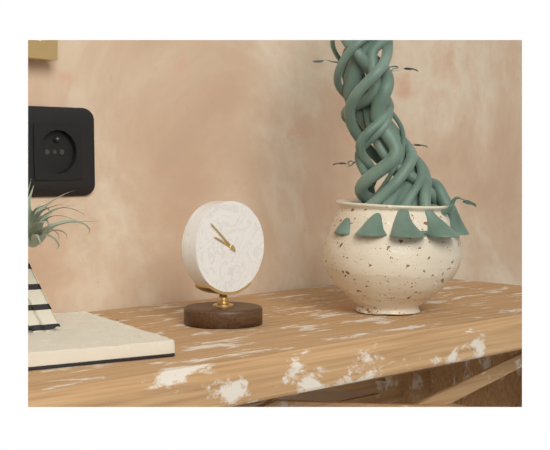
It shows {"hour": 9, "minute": 52}
